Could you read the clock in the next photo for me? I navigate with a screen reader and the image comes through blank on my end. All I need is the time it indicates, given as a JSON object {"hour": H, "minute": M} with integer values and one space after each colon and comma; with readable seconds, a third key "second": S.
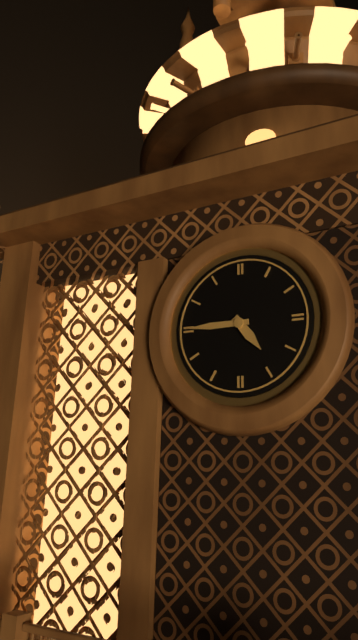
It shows {"hour": 4, "minute": 45}
